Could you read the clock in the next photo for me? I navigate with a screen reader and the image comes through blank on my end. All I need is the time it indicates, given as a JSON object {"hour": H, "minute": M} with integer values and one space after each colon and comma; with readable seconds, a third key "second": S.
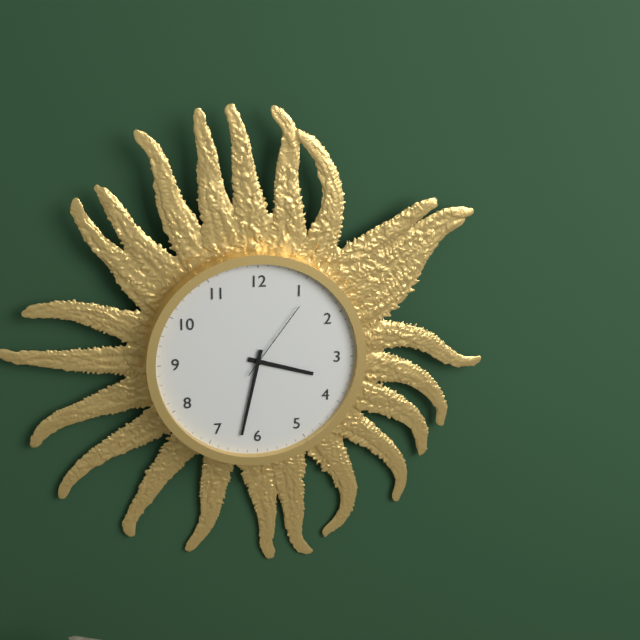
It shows {"hour": 3, "minute": 32, "second": 6}
